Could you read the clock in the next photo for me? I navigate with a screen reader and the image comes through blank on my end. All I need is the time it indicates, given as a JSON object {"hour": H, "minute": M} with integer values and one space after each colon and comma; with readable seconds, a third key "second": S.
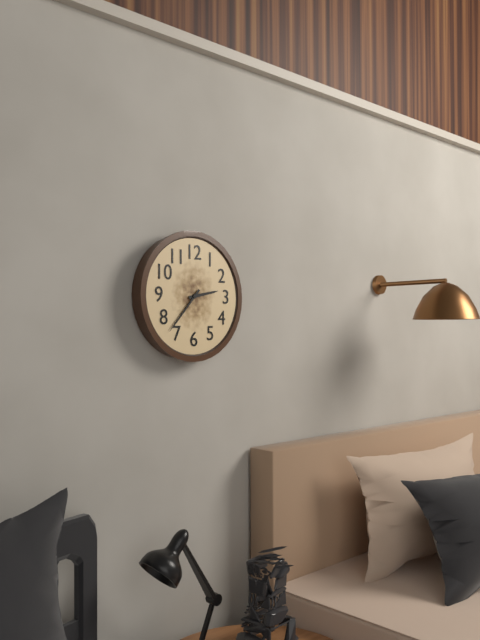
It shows {"hour": 2, "minute": 37}
